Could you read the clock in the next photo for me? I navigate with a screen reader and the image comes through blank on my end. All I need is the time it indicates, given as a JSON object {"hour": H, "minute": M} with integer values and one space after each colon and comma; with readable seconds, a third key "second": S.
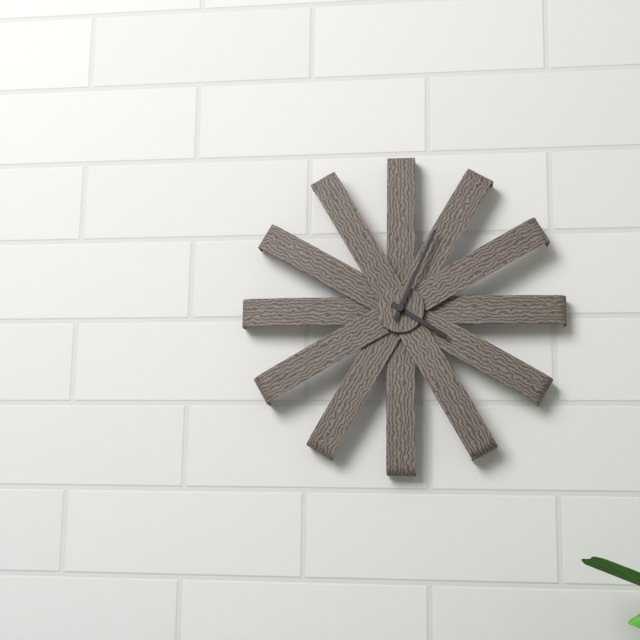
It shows {"hour": 4, "minute": 4}
